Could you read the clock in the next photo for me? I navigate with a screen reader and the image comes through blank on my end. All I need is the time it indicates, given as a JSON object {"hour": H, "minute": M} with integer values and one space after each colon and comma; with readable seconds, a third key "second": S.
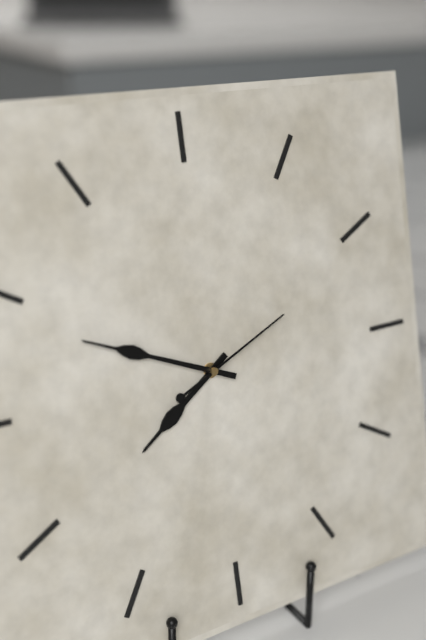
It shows {"hour": 7, "minute": 49, "second": 11}
